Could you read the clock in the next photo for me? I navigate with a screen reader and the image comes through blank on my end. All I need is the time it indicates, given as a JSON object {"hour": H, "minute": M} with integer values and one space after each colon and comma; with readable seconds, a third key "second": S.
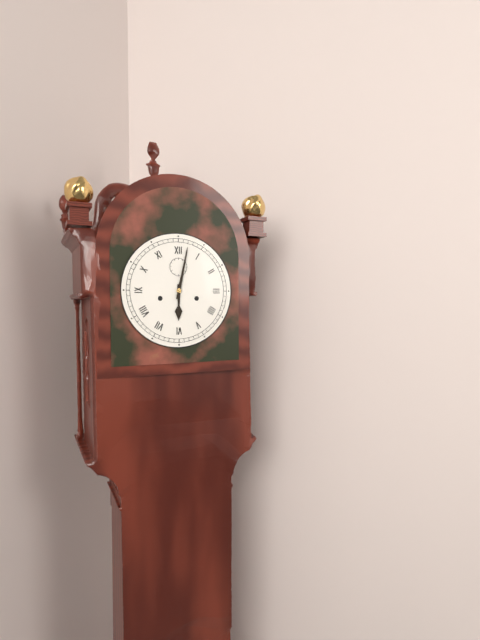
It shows {"hour": 6, "minute": 2}
